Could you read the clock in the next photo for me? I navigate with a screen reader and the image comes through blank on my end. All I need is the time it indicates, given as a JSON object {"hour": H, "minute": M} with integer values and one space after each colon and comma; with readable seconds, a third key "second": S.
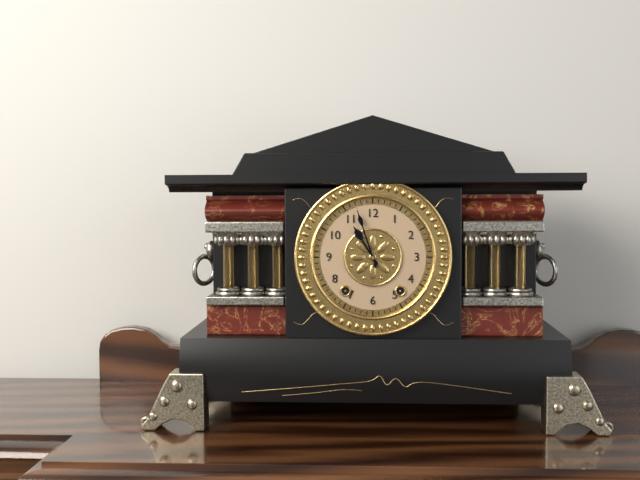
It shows {"hour": 10, "minute": 57}
